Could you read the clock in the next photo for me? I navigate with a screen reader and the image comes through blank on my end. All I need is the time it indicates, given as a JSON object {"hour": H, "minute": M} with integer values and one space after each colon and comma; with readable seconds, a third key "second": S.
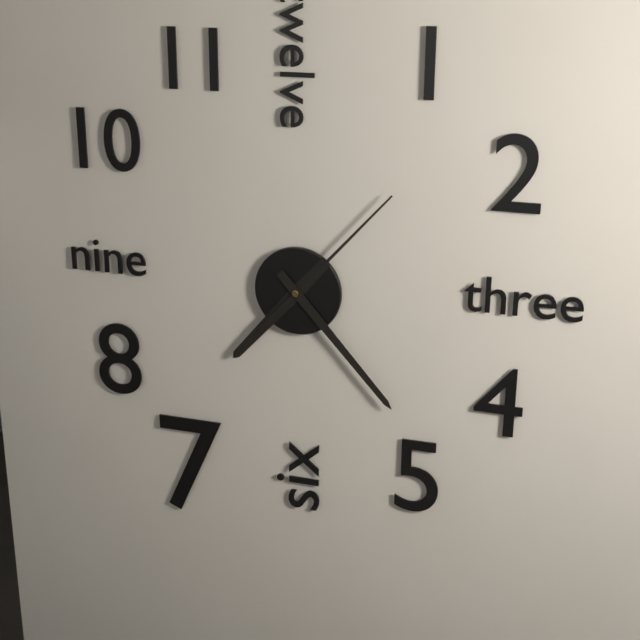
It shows {"hour": 7, "minute": 23, "second": 7}
